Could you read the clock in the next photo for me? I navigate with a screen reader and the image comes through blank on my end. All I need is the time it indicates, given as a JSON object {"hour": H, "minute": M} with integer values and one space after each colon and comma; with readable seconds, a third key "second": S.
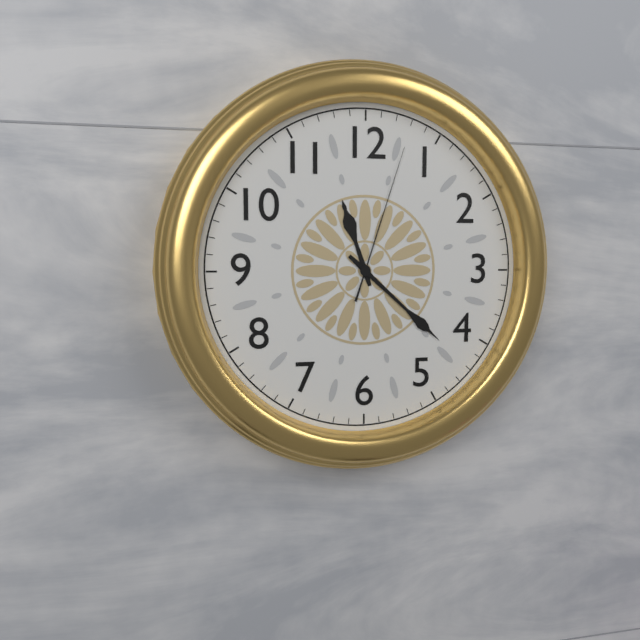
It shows {"hour": 11, "minute": 22, "second": 3}
